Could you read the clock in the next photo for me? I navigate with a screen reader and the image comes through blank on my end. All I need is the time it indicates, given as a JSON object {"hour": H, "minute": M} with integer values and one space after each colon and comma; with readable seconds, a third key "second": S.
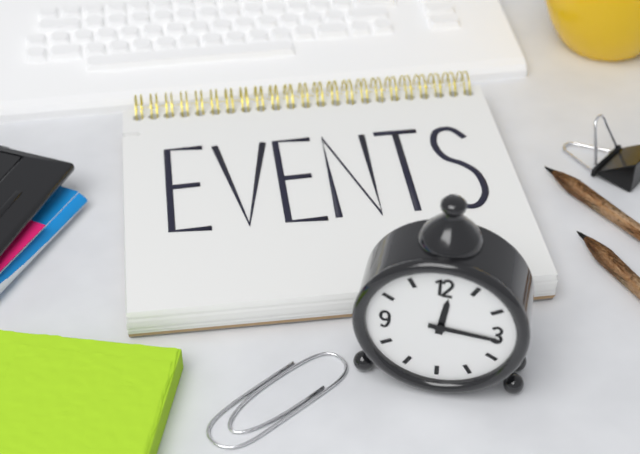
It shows {"hour": 12, "minute": 16}
